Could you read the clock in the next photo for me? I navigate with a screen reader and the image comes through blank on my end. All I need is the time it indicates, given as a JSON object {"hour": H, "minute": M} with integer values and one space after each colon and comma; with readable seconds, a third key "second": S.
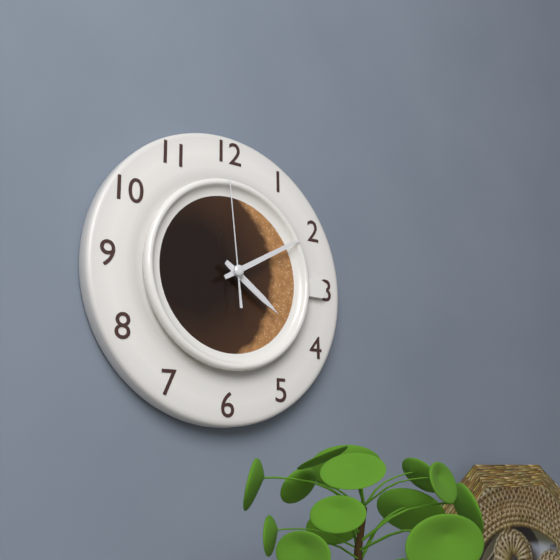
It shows {"hour": 4, "minute": 10, "second": 59}
